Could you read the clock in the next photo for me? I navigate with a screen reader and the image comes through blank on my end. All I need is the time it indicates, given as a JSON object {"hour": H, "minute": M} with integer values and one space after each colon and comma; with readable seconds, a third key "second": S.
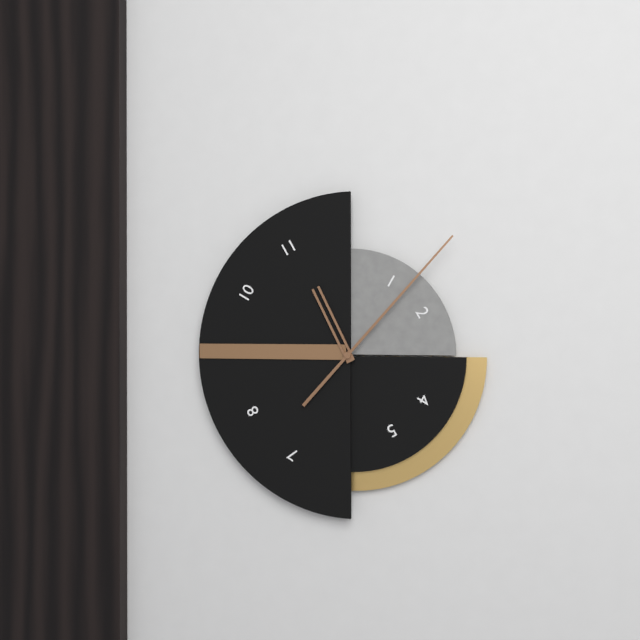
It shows {"hour": 11, "minute": 7}
